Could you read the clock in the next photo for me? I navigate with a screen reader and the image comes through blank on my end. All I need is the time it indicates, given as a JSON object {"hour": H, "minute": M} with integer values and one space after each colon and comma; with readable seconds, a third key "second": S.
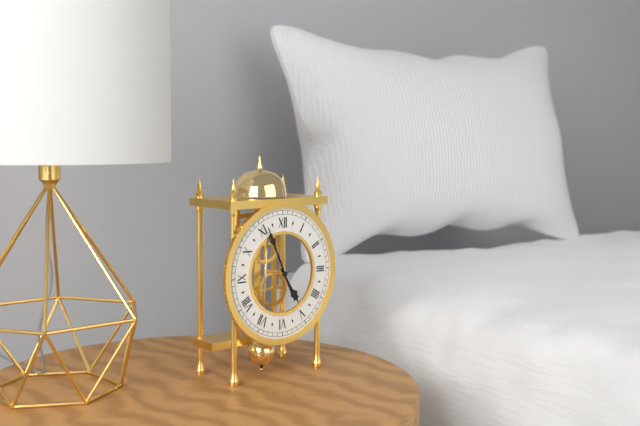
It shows {"hour": 4, "minute": 56}
